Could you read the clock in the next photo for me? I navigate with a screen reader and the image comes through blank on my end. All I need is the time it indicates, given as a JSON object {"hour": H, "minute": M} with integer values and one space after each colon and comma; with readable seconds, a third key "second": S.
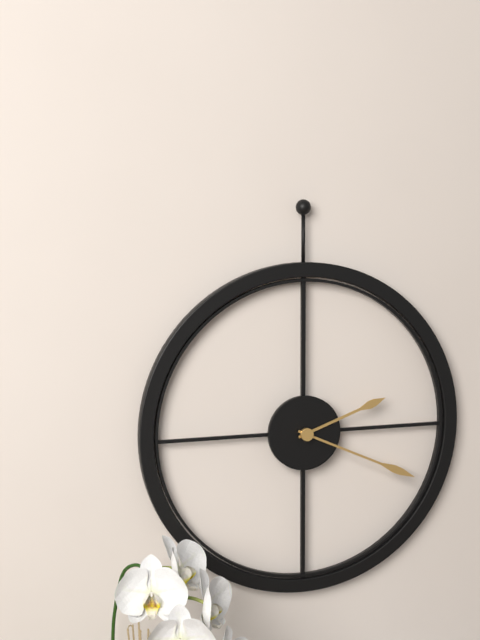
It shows {"hour": 2, "minute": 19}
